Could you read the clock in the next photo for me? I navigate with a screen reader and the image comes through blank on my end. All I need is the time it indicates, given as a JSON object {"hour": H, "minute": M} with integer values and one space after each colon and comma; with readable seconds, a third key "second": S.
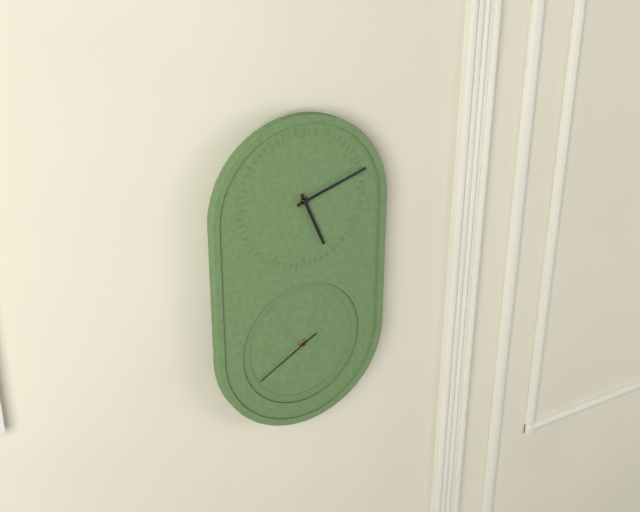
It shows {"hour": 5, "minute": 12, "second": 40}
